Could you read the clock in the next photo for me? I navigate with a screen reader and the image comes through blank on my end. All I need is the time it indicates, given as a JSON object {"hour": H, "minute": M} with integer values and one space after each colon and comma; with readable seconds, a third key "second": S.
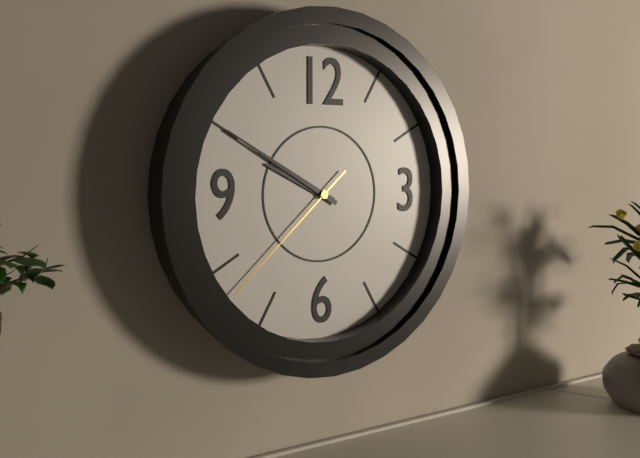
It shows {"hour": 9, "minute": 50, "second": 38}
